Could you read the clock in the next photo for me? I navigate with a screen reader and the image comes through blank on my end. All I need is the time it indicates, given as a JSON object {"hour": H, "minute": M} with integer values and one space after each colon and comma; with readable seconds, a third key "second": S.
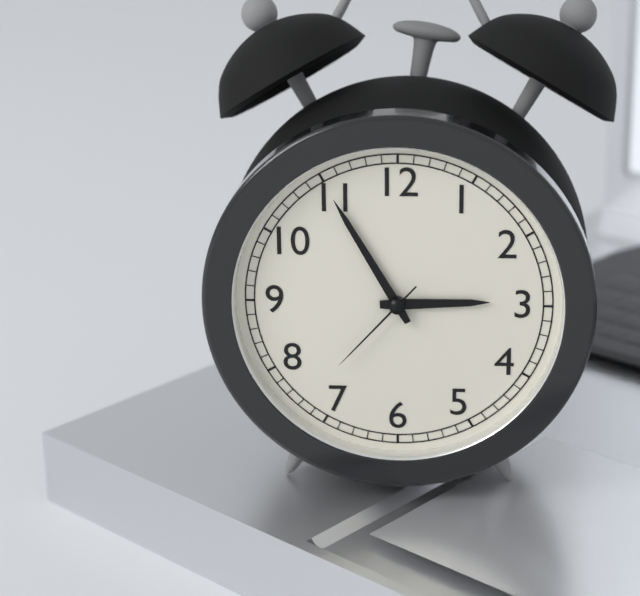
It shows {"hour": 2, "minute": 55, "second": 37}
